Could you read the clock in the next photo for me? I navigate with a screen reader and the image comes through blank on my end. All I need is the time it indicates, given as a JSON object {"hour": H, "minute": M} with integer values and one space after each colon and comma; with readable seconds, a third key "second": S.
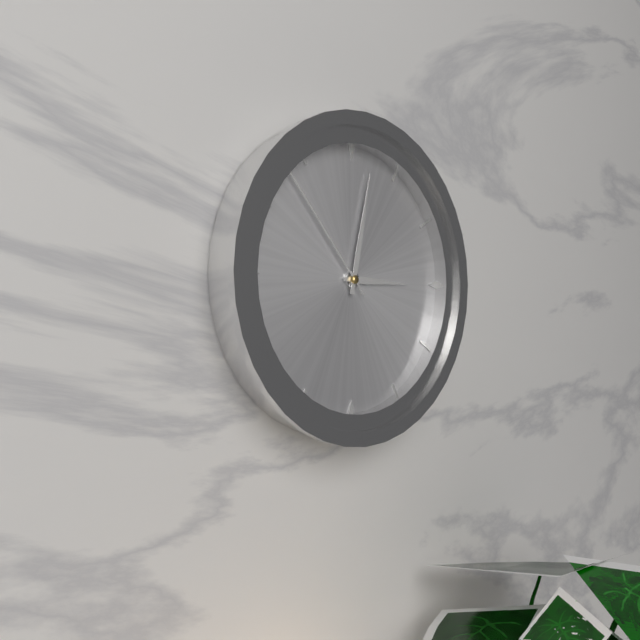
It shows {"hour": 3, "minute": 2, "second": 53}
